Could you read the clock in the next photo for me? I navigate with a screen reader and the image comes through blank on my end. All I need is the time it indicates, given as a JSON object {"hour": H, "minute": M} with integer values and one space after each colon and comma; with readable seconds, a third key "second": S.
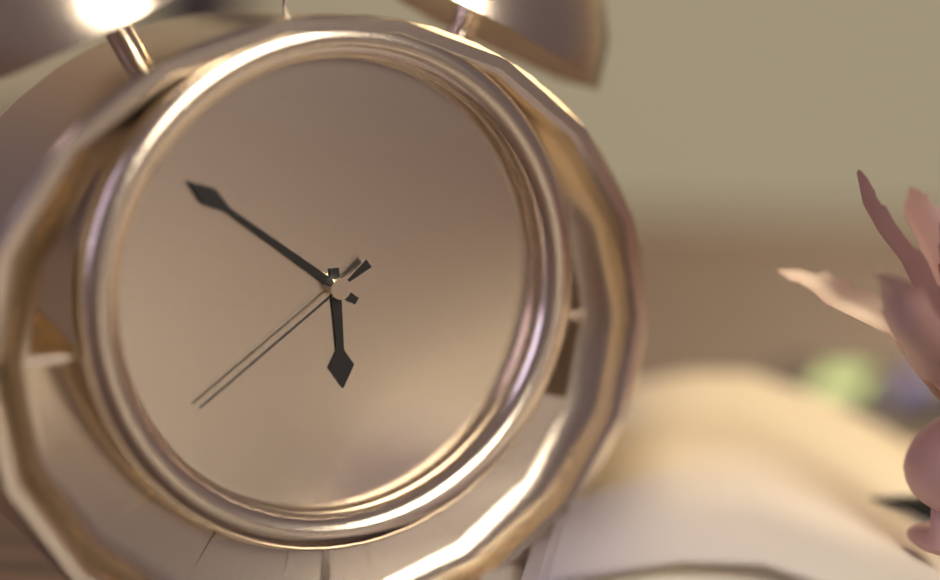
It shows {"hour": 5, "minute": 51, "second": 39}
